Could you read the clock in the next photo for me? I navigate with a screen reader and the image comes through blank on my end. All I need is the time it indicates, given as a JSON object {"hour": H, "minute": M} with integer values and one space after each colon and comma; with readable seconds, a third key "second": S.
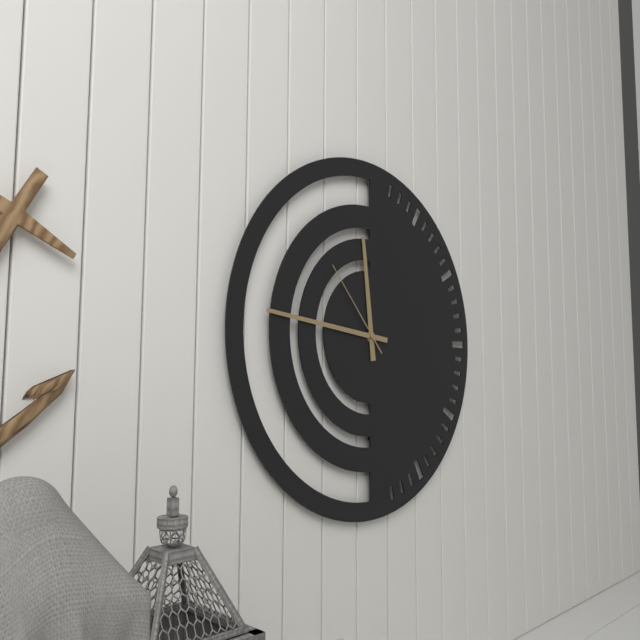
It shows {"hour": 11, "minute": 46, "second": 53}
